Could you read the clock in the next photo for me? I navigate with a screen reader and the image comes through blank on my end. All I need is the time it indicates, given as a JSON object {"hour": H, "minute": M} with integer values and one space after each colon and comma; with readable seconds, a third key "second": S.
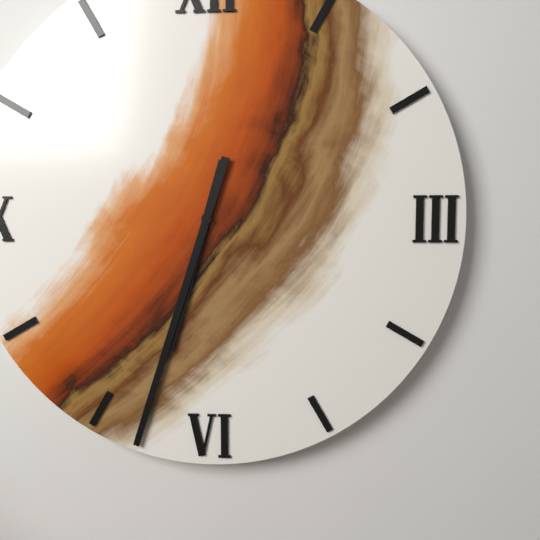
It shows {"hour": 6, "minute": 33}
